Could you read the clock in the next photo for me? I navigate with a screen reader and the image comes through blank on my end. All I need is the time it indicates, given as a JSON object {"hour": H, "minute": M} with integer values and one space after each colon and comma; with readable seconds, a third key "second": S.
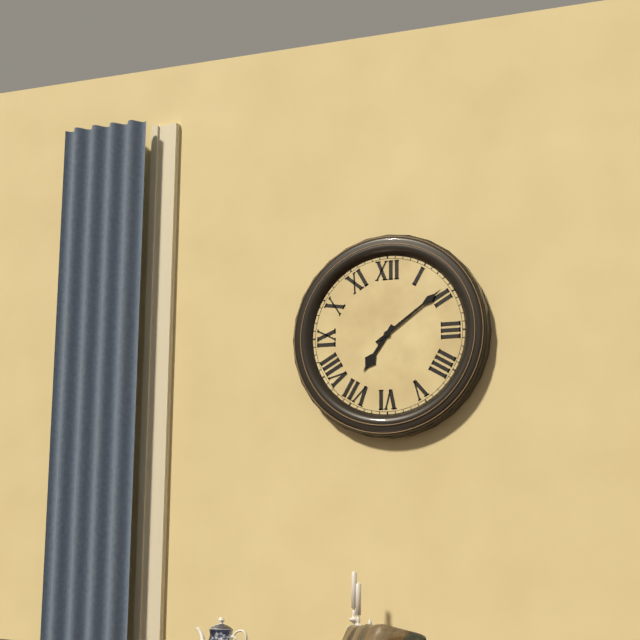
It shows {"hour": 7, "minute": 9}
